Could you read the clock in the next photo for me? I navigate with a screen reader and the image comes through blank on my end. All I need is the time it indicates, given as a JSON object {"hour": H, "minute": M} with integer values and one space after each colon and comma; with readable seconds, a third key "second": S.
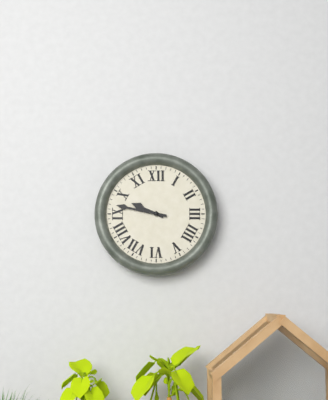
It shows {"hour": 9, "minute": 47}
